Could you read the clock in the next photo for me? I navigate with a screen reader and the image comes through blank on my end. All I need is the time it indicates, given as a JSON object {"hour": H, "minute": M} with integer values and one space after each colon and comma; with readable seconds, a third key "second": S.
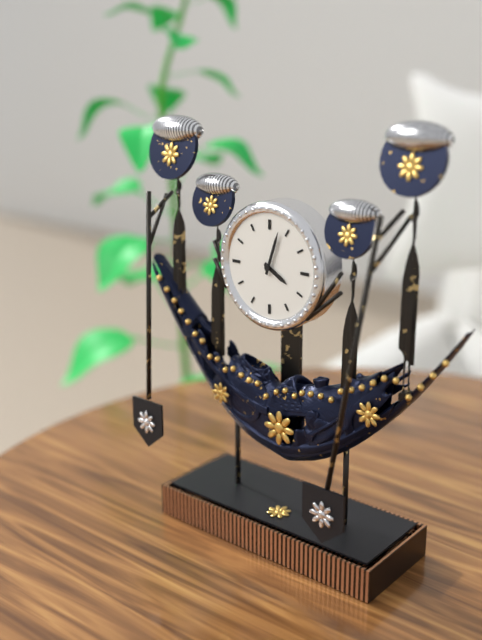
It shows {"hour": 4, "minute": 3}
